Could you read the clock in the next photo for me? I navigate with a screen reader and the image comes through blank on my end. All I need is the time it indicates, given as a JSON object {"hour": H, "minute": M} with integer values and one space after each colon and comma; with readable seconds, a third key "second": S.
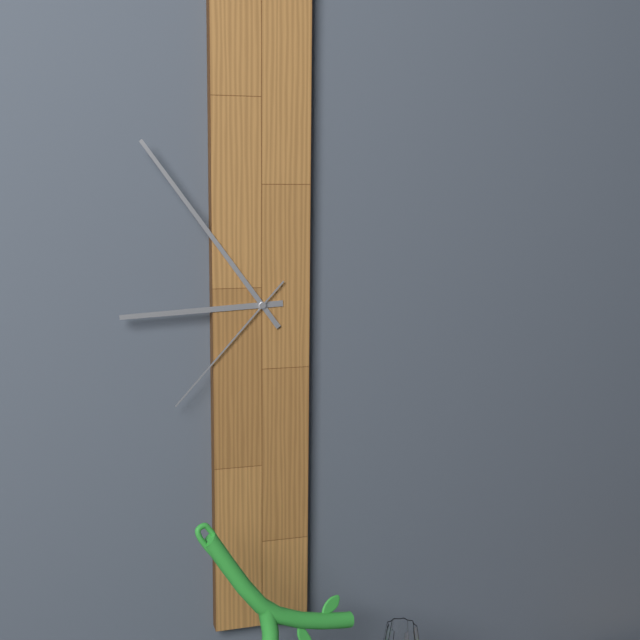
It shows {"hour": 8, "minute": 54, "second": 37}
